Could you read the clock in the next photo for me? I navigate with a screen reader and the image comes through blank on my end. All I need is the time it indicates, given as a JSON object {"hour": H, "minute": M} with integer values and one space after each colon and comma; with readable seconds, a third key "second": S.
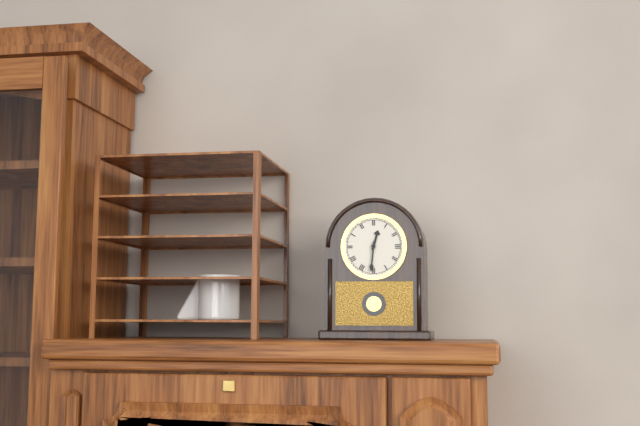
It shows {"hour": 12, "minute": 31}
